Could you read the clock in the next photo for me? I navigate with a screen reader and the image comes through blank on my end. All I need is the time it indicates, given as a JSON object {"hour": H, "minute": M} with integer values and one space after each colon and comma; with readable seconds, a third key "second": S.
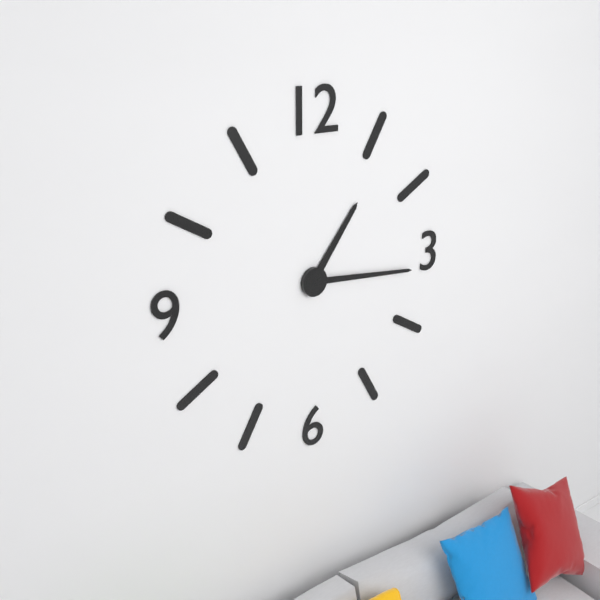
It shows {"hour": 1, "minute": 16}
